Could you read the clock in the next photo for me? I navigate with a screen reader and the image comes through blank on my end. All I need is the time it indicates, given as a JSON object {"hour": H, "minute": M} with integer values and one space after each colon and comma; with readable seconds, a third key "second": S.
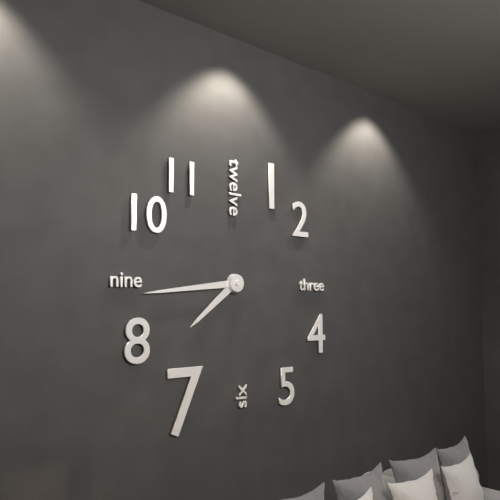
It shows {"hour": 7, "minute": 44}
